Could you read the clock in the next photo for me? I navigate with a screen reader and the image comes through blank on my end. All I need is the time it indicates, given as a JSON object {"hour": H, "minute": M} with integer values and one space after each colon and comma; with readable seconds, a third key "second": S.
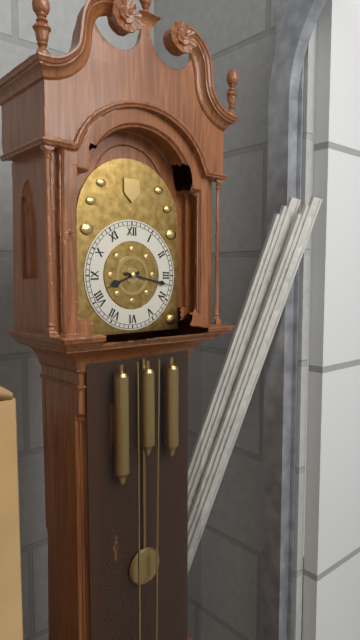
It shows {"hour": 8, "minute": 17}
